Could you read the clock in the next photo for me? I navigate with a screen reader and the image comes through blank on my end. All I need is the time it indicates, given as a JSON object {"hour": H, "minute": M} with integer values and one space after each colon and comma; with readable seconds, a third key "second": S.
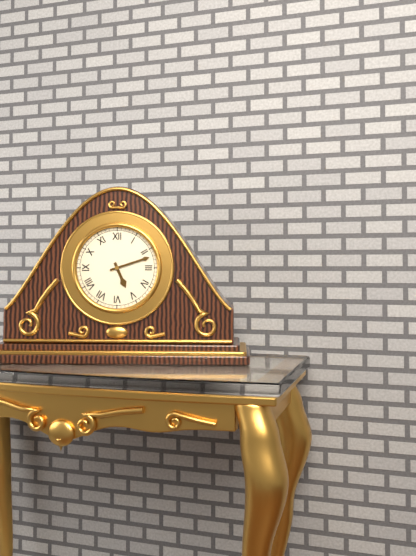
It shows {"hour": 5, "minute": 12}
